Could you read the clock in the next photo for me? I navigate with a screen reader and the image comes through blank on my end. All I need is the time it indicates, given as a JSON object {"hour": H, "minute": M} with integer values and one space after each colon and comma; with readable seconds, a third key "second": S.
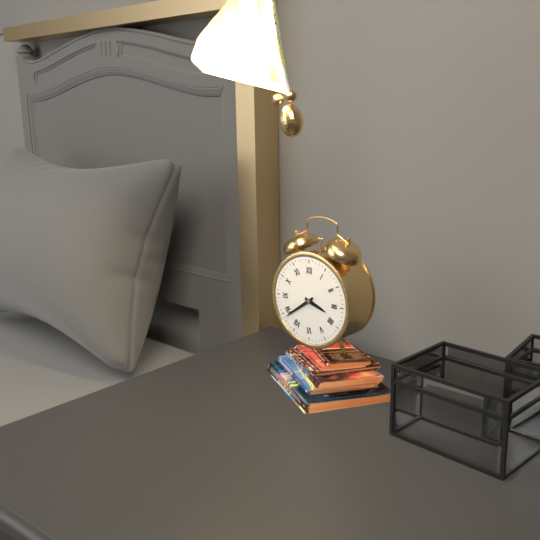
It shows {"hour": 3, "minute": 39}
